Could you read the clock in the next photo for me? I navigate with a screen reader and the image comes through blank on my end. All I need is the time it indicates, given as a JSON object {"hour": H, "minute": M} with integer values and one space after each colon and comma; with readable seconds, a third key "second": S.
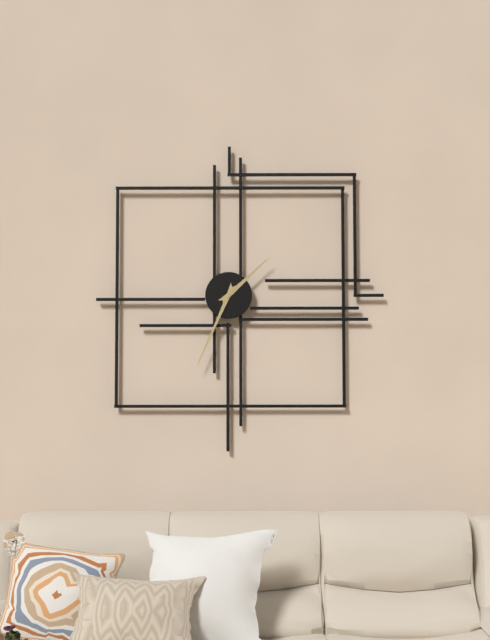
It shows {"hour": 1, "minute": 34}
